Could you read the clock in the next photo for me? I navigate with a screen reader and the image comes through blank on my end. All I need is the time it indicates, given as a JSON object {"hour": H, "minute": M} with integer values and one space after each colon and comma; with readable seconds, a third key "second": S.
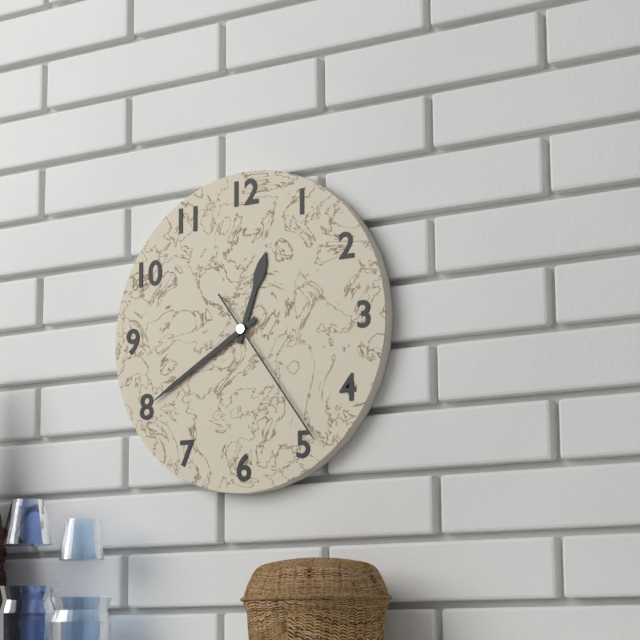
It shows {"hour": 12, "minute": 40, "second": 24}
